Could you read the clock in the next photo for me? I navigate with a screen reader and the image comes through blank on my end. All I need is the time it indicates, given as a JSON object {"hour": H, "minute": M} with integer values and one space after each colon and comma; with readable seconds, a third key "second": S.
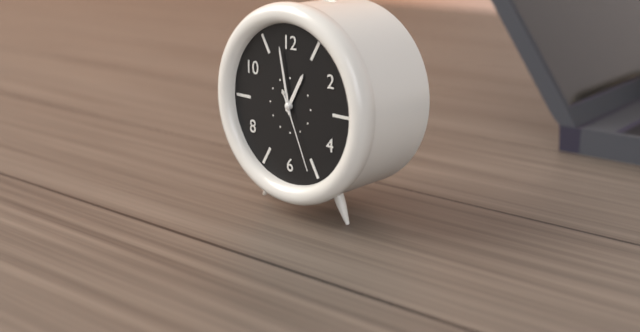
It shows {"hour": 12, "minute": 58, "second": 26}
